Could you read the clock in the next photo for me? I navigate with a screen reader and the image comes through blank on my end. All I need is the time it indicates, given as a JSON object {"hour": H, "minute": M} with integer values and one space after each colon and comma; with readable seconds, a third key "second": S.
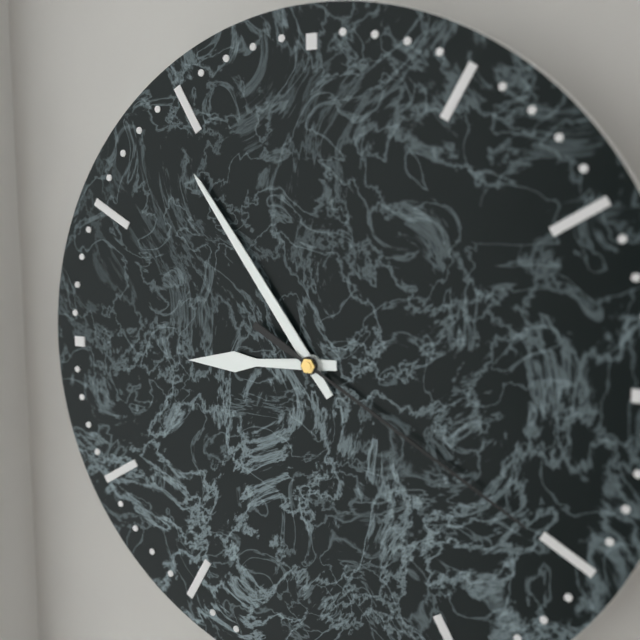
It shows {"hour": 8, "minute": 54, "second": 20}
